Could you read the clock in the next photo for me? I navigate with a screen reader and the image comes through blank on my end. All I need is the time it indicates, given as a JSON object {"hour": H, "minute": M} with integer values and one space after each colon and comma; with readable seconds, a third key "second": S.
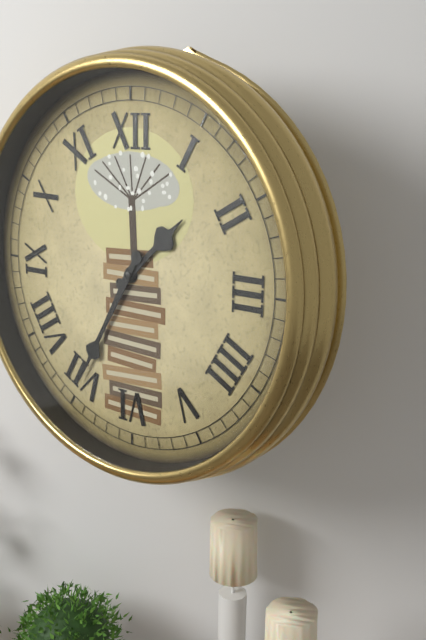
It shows {"hour": 1, "minute": 35}
